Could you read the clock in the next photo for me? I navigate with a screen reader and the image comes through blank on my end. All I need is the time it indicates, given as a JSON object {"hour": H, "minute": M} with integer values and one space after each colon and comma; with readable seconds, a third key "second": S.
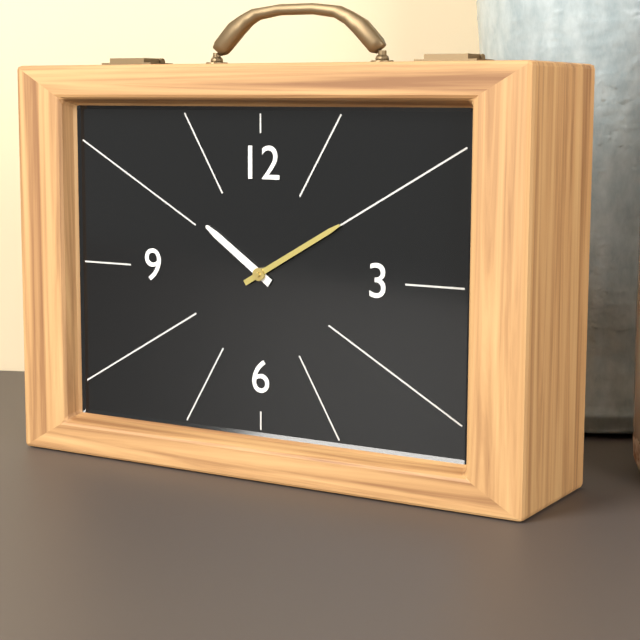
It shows {"hour": 10, "minute": 10}
